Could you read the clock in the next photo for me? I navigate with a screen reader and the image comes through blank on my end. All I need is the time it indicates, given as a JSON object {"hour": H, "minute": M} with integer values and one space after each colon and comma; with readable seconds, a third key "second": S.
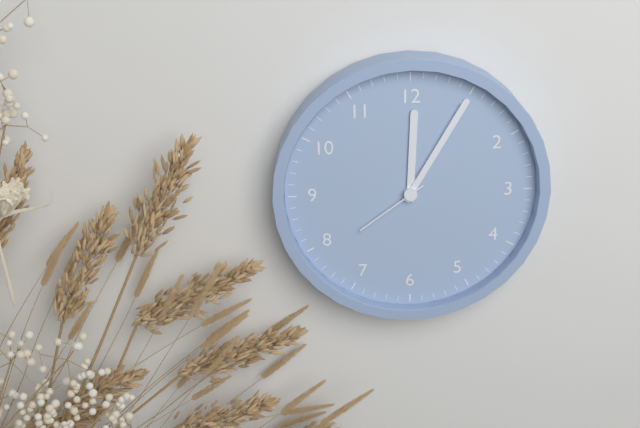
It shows {"hour": 12, "minute": 5, "second": 39}
